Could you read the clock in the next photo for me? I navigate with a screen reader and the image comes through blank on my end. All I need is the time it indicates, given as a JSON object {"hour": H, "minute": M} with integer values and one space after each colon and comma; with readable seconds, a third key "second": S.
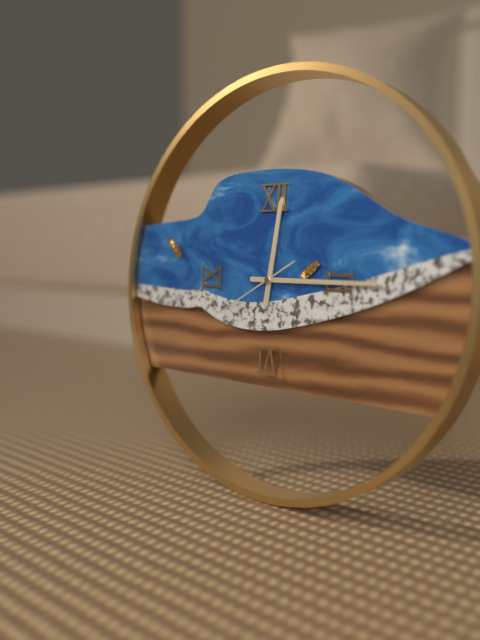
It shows {"hour": 12, "minute": 15, "second": 40}
